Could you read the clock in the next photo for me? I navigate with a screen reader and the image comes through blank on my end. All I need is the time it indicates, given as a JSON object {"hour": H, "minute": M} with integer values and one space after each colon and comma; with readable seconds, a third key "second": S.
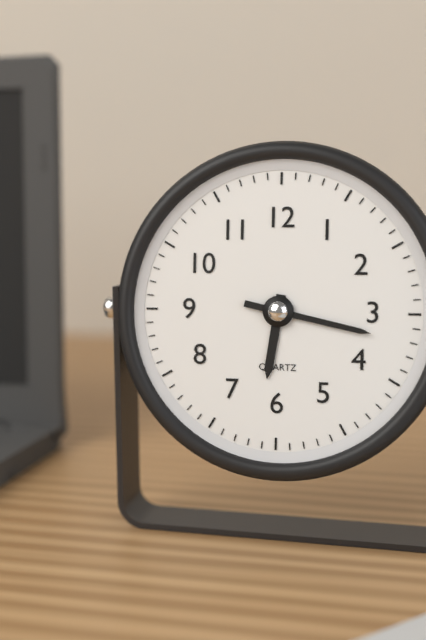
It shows {"hour": 6, "minute": 17}
